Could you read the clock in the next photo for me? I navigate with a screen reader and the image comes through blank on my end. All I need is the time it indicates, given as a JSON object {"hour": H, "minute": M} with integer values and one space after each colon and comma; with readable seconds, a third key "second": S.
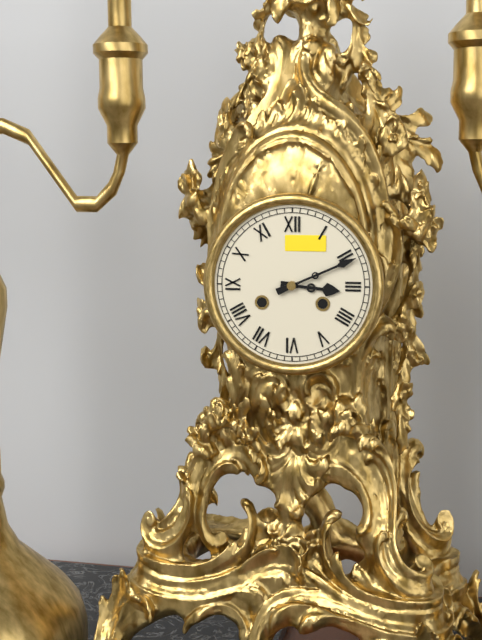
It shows {"hour": 3, "minute": 11}
